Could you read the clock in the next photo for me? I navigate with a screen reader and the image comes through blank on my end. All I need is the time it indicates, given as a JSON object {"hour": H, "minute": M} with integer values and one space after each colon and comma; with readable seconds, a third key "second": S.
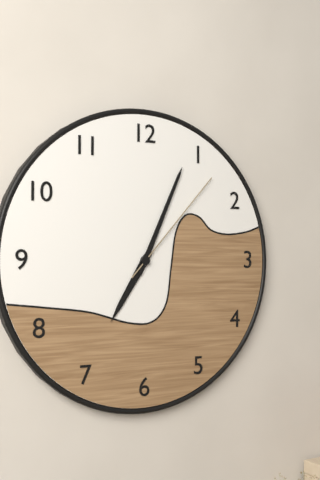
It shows {"hour": 7, "minute": 4, "second": 7}
